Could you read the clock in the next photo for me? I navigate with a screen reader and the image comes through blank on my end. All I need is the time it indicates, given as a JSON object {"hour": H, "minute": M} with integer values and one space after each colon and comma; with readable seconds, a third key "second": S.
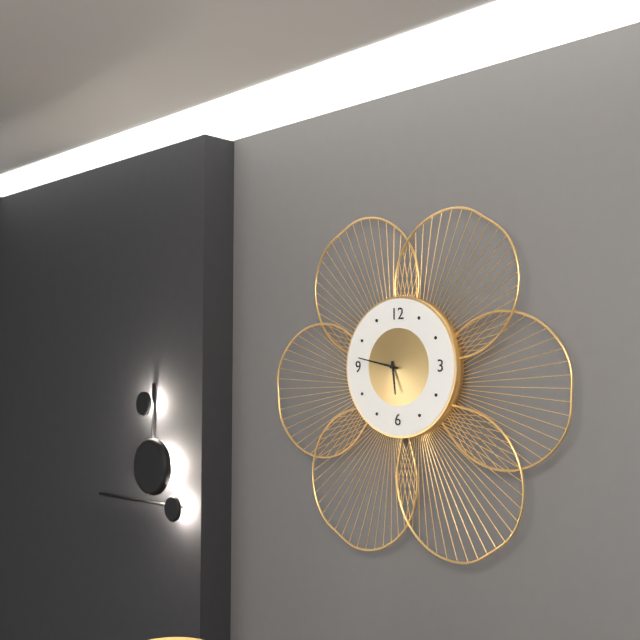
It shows {"hour": 5, "minute": 47}
